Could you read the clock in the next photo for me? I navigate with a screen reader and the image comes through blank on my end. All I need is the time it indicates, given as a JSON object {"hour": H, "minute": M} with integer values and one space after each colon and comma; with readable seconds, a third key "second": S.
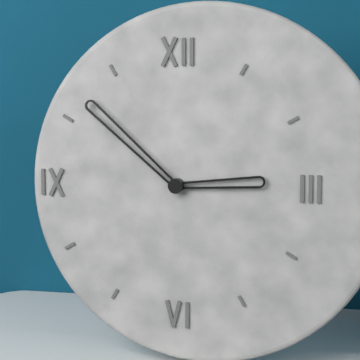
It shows {"hour": 2, "minute": 52}
